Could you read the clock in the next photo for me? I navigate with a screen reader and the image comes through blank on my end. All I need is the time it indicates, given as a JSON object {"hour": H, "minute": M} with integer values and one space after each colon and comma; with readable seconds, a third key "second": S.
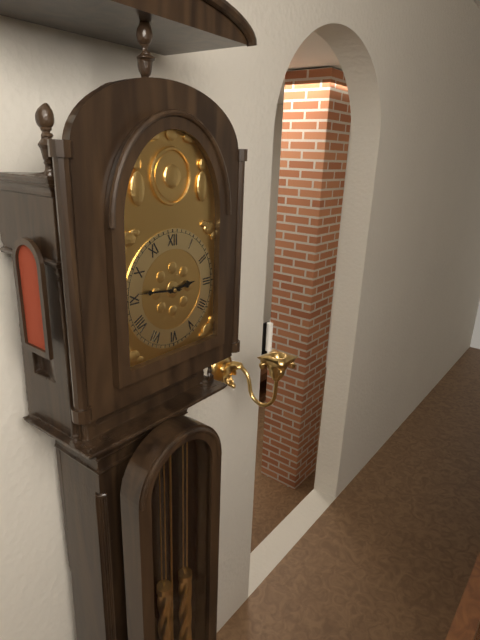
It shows {"hour": 2, "minute": 46}
